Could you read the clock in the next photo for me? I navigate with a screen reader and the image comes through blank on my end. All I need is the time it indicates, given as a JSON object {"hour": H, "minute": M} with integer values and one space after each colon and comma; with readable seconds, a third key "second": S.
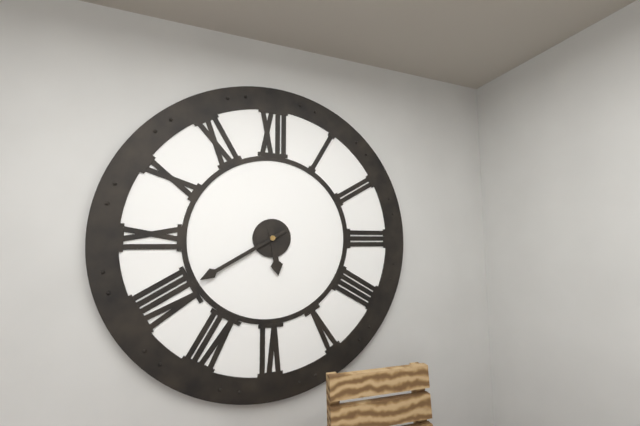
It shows {"hour": 5, "minute": 40}
